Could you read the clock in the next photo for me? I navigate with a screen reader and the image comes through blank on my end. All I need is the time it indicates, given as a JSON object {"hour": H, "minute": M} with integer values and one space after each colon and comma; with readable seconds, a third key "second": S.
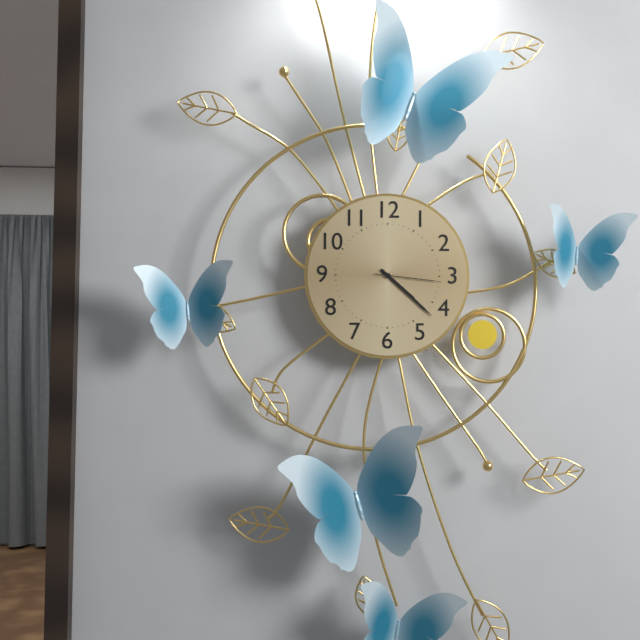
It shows {"hour": 4, "minute": 22, "second": 16}
